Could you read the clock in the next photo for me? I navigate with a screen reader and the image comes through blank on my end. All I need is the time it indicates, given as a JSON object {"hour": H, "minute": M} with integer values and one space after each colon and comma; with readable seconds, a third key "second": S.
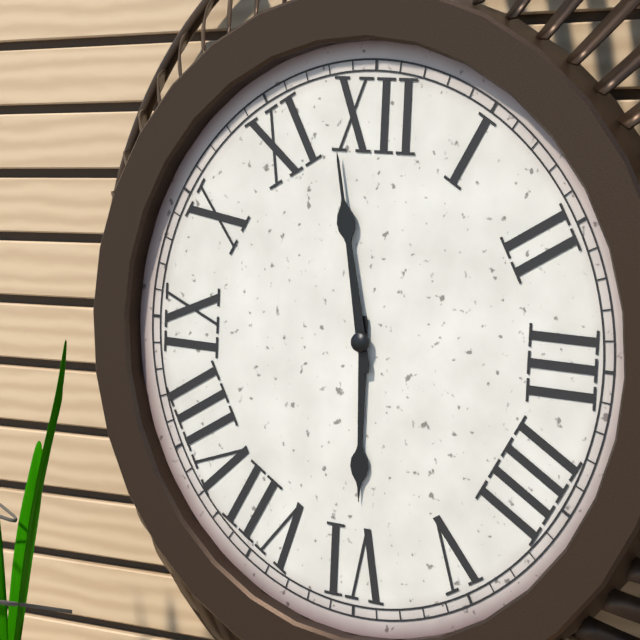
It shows {"hour": 5, "minute": 58}
